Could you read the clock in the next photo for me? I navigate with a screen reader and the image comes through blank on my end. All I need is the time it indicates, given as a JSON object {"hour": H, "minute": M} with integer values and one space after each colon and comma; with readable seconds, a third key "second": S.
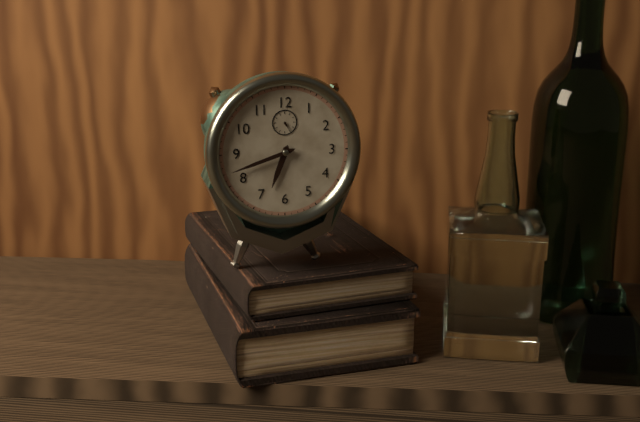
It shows {"hour": 6, "minute": 42}
